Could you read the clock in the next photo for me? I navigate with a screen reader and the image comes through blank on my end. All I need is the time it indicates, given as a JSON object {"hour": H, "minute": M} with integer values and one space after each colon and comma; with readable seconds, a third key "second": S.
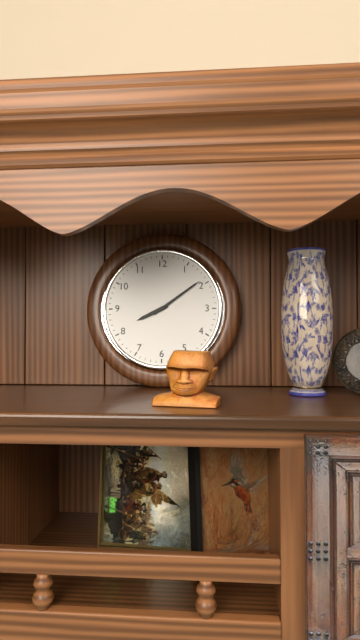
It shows {"hour": 8, "minute": 9}
